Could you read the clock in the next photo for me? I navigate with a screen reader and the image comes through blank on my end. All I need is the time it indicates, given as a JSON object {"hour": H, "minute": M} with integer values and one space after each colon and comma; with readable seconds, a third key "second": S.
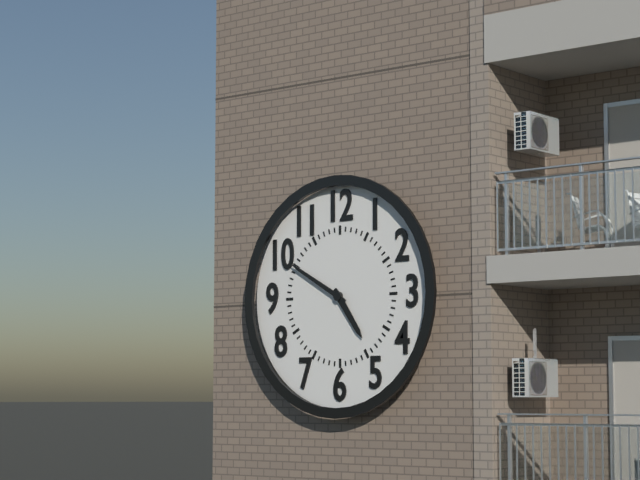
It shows {"hour": 4, "minute": 50}
